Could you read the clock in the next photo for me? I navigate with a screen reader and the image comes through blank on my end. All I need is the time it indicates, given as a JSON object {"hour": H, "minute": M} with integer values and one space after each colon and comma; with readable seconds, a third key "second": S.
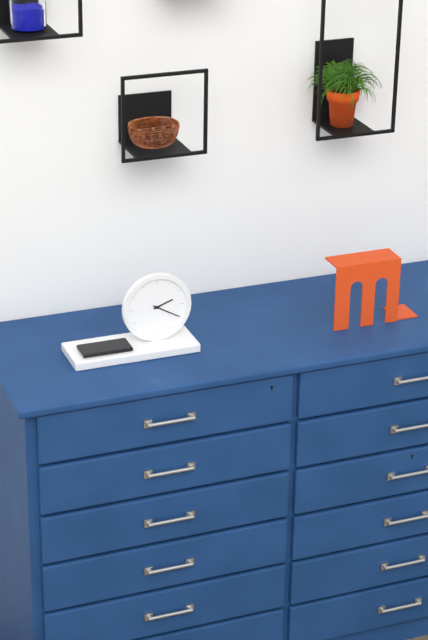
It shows {"hour": 2, "minute": 20}
